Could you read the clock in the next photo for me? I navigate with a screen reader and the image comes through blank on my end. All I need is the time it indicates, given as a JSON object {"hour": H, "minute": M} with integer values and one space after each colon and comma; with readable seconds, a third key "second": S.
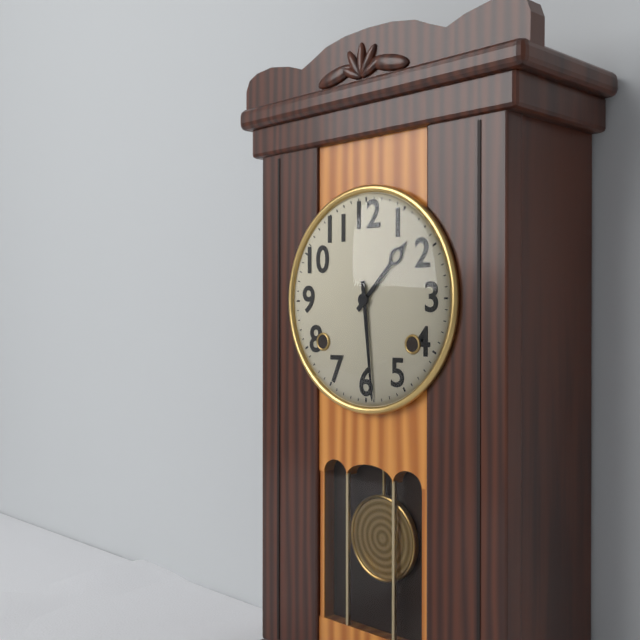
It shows {"hour": 1, "minute": 29}
